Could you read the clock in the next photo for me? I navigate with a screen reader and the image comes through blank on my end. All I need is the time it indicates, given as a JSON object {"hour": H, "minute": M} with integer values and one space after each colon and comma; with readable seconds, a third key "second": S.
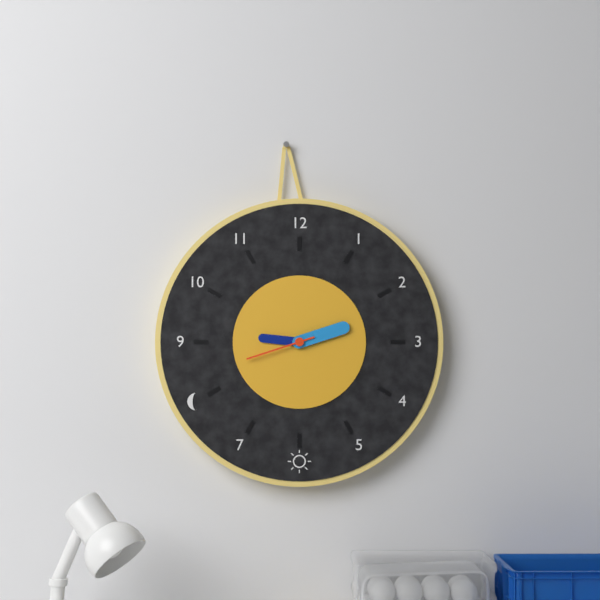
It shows {"hour": 9, "minute": 12, "second": 42}
